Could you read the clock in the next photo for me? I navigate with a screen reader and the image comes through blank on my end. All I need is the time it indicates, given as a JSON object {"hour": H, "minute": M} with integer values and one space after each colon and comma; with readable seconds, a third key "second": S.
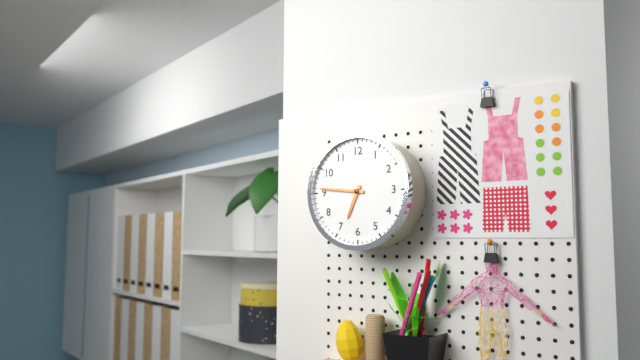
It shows {"hour": 6, "minute": 46}
